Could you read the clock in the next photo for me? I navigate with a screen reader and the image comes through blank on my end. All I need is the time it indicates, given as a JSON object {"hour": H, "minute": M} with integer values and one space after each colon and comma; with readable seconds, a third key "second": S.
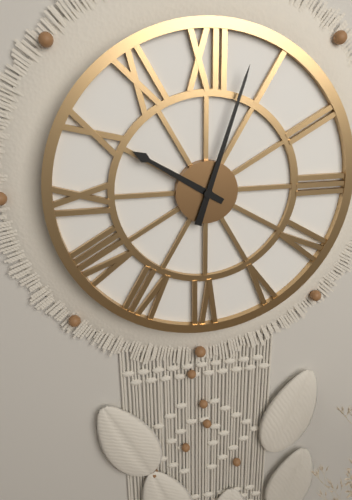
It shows {"hour": 10, "minute": 3}
